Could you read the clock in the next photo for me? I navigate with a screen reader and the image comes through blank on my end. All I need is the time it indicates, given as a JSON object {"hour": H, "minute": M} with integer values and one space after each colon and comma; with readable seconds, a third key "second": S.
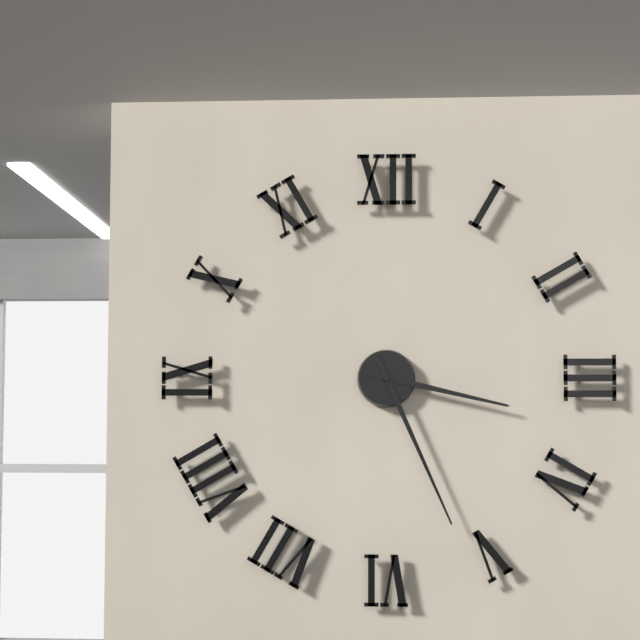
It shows {"hour": 3, "minute": 26}
